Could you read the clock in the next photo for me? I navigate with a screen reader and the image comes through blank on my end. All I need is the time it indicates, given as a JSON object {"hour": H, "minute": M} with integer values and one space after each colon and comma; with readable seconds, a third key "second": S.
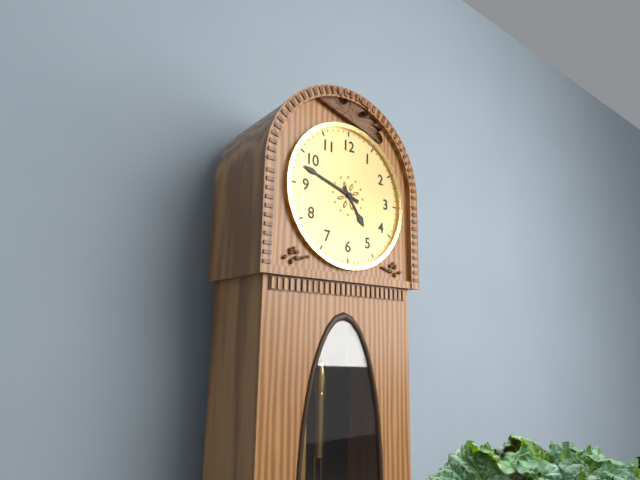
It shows {"hour": 4, "minute": 48}
